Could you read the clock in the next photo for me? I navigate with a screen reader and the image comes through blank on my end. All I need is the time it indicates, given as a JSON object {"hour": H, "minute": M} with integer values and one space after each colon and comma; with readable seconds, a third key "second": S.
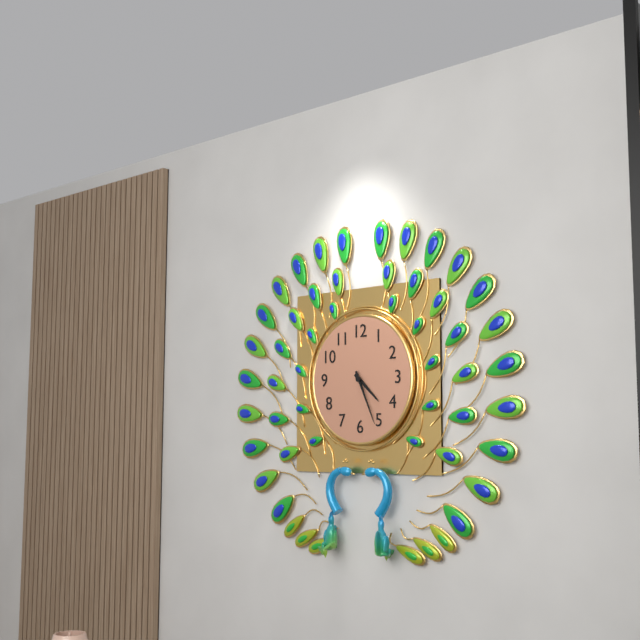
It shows {"hour": 4, "minute": 26}
